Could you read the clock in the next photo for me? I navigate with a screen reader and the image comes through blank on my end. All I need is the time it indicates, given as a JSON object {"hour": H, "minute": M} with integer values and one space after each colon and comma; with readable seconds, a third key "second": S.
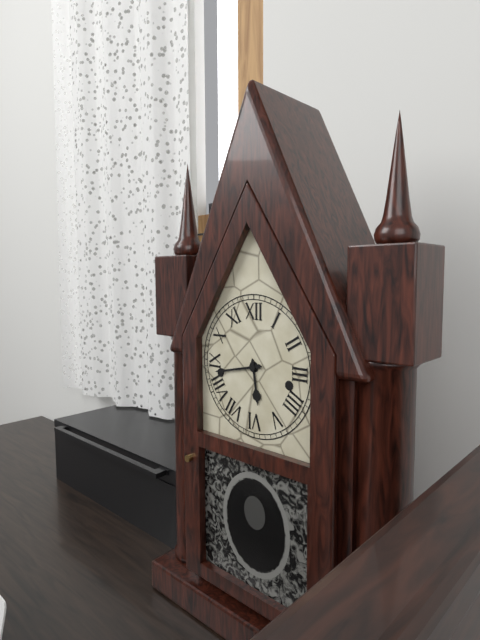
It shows {"hour": 5, "minute": 43}
